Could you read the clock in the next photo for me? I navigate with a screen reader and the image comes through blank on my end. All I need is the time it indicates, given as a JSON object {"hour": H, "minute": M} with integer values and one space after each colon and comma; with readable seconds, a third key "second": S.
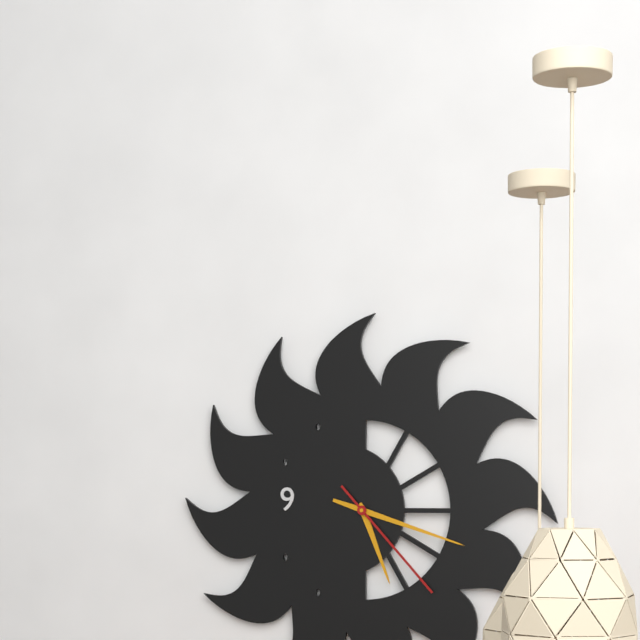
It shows {"hour": 5, "minute": 18, "second": 23}
